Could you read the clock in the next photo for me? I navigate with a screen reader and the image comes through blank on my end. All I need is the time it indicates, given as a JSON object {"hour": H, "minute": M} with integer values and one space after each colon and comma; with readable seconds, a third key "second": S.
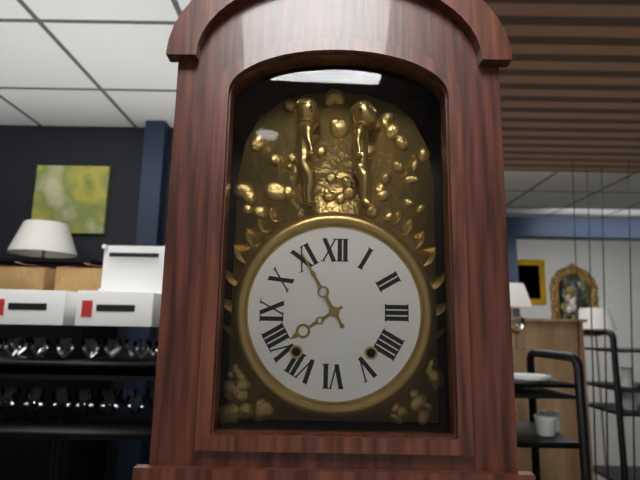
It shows {"hour": 7, "minute": 55}
